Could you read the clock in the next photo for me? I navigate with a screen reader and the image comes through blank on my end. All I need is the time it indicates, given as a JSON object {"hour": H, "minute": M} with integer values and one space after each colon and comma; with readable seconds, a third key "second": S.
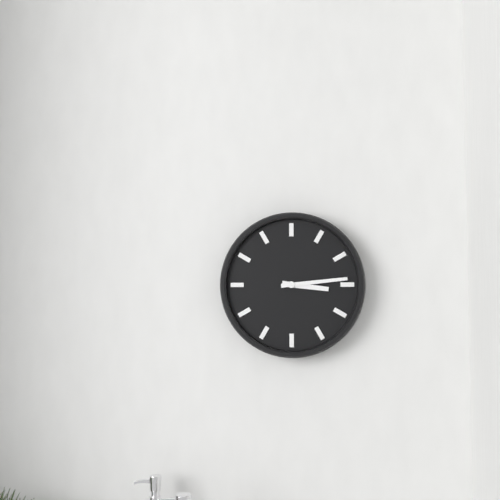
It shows {"hour": 3, "minute": 14}
